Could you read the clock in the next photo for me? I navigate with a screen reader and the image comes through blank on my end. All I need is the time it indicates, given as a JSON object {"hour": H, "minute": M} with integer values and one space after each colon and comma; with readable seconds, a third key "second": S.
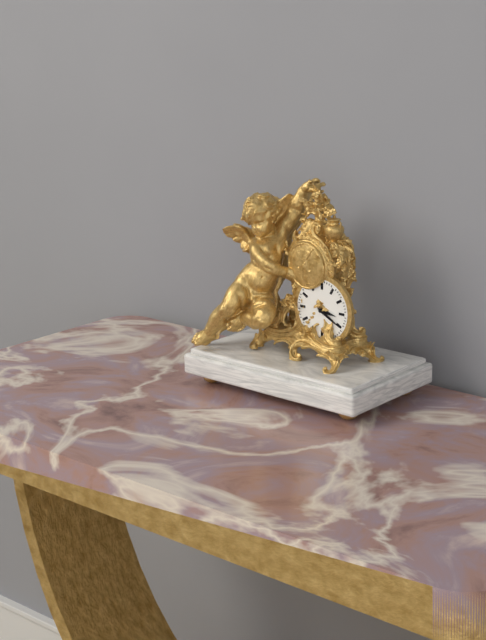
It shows {"hour": 3, "minute": 20}
